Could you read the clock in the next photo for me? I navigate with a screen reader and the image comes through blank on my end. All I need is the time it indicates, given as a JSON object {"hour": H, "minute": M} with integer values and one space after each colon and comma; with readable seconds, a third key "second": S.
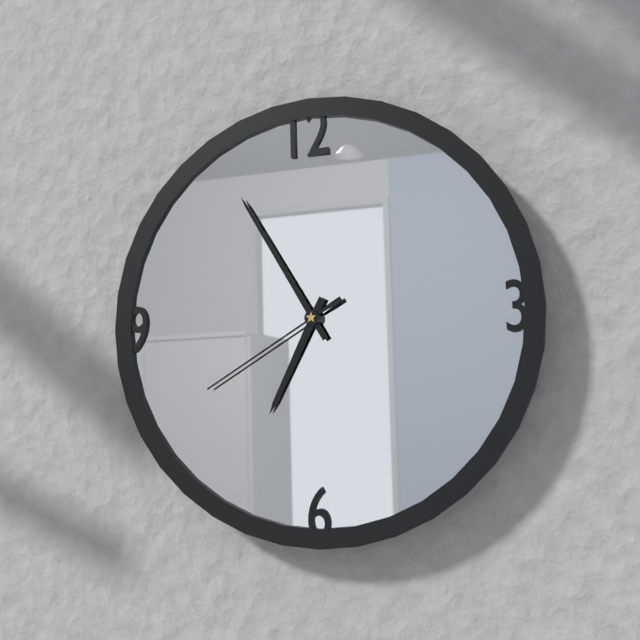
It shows {"hour": 6, "minute": 55, "second": 40}
